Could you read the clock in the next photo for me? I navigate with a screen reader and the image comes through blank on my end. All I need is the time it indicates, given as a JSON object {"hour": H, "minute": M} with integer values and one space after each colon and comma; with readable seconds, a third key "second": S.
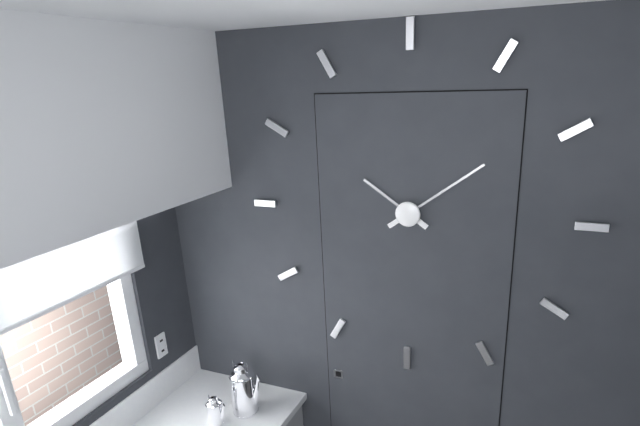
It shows {"hour": 10, "minute": 9}
